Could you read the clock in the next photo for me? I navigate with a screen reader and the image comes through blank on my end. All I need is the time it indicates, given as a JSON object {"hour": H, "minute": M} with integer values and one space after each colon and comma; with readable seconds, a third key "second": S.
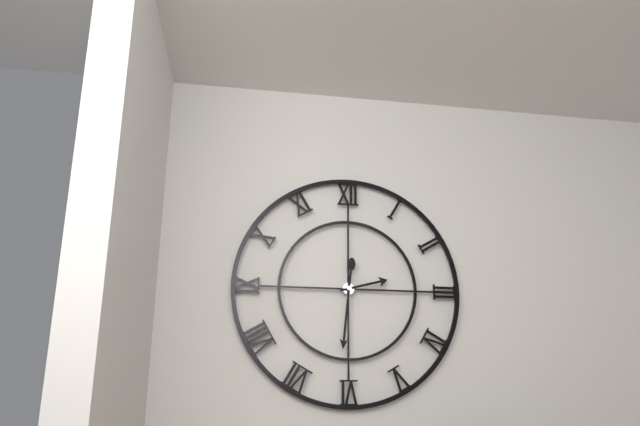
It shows {"hour": 2, "minute": 31}
